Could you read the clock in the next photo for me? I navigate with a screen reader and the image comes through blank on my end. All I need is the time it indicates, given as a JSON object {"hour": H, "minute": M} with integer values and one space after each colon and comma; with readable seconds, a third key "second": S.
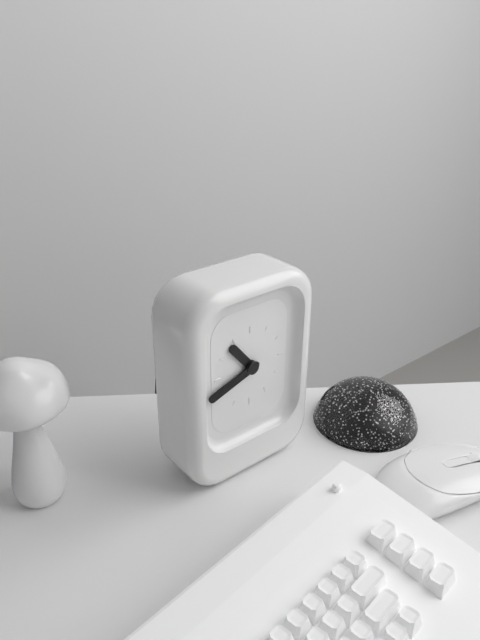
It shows {"hour": 10, "minute": 42}
